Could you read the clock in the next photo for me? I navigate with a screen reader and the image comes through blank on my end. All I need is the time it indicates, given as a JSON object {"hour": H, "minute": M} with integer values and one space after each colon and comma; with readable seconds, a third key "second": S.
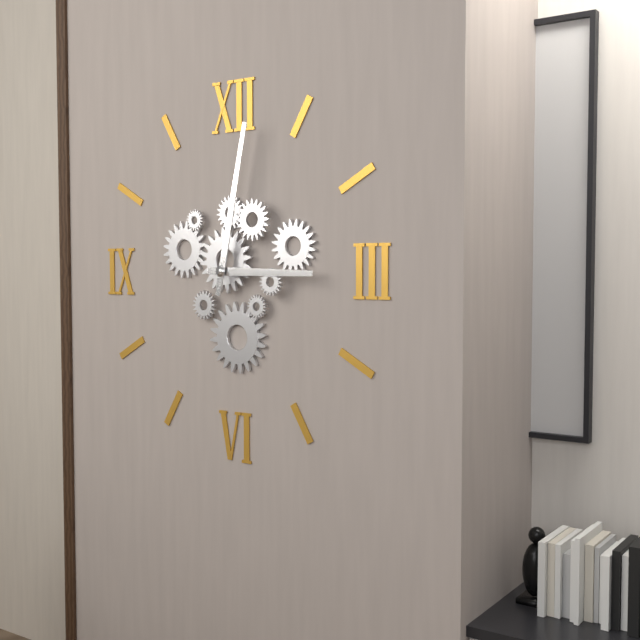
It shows {"hour": 3, "minute": 2}
